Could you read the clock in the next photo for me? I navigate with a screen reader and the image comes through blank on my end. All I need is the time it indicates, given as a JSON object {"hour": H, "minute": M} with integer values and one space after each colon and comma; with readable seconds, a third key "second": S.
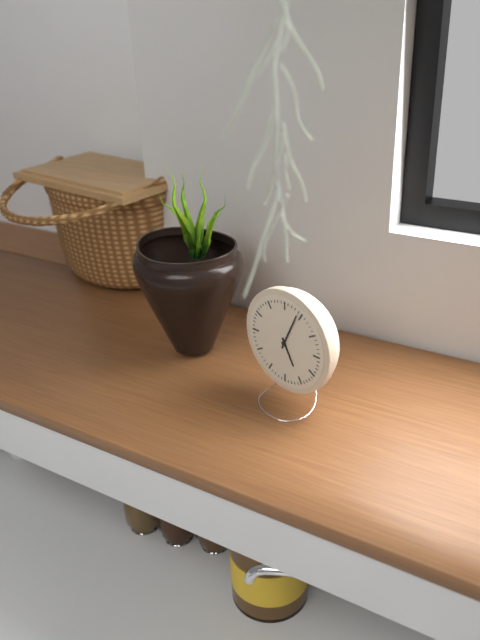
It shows {"hour": 5, "minute": 4}
